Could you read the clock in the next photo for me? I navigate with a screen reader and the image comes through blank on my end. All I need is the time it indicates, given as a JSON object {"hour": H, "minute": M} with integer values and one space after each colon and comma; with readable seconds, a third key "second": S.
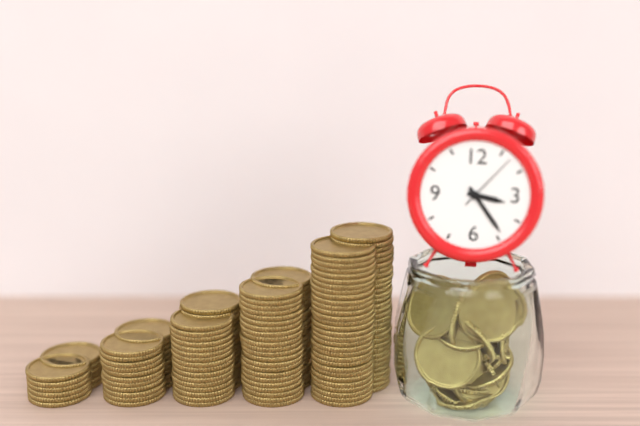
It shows {"hour": 3, "minute": 24, "second": 7}
